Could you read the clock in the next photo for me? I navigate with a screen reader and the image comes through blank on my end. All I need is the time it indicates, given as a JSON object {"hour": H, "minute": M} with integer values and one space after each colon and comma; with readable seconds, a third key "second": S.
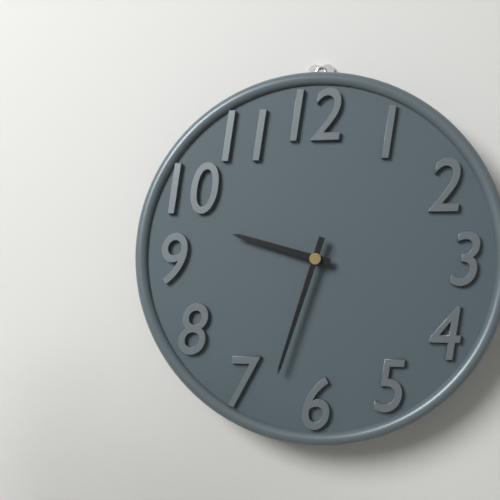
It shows {"hour": 9, "minute": 33}
